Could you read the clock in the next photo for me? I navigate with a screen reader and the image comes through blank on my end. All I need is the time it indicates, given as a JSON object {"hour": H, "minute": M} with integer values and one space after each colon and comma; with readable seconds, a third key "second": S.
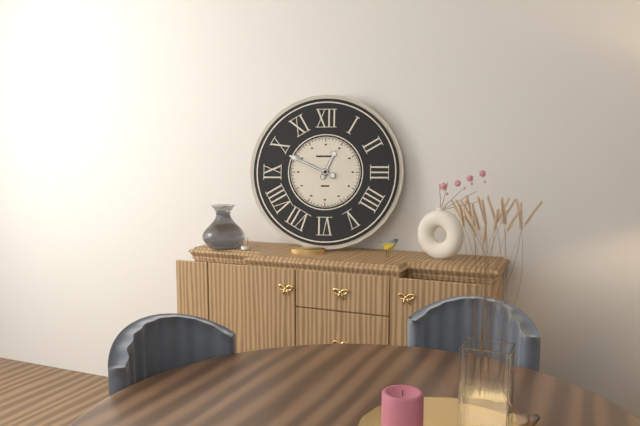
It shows {"hour": 12, "minute": 49}
